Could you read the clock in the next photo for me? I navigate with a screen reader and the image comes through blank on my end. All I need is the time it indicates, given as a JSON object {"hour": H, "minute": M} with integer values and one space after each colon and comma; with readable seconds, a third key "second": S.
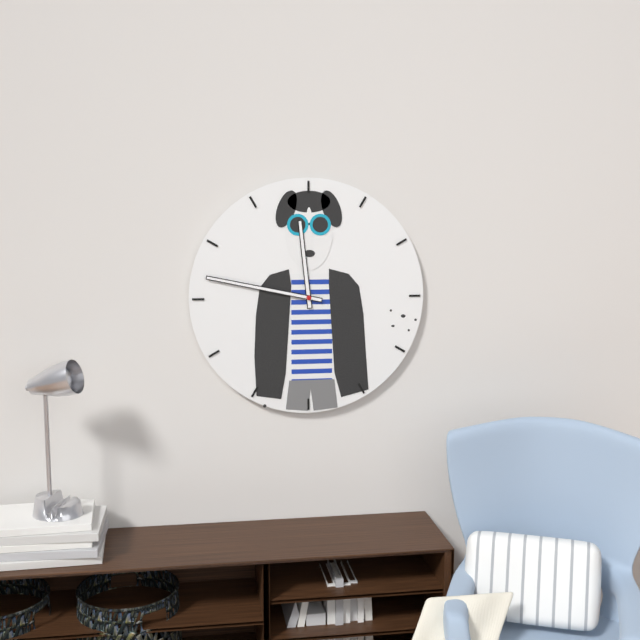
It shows {"hour": 11, "minute": 47}
